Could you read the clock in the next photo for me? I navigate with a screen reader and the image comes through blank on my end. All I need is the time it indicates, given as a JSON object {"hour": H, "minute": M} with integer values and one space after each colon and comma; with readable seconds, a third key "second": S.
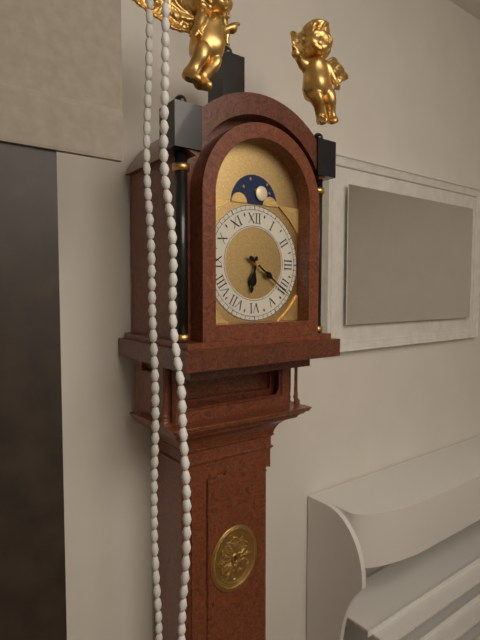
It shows {"hour": 6, "minute": 21}
